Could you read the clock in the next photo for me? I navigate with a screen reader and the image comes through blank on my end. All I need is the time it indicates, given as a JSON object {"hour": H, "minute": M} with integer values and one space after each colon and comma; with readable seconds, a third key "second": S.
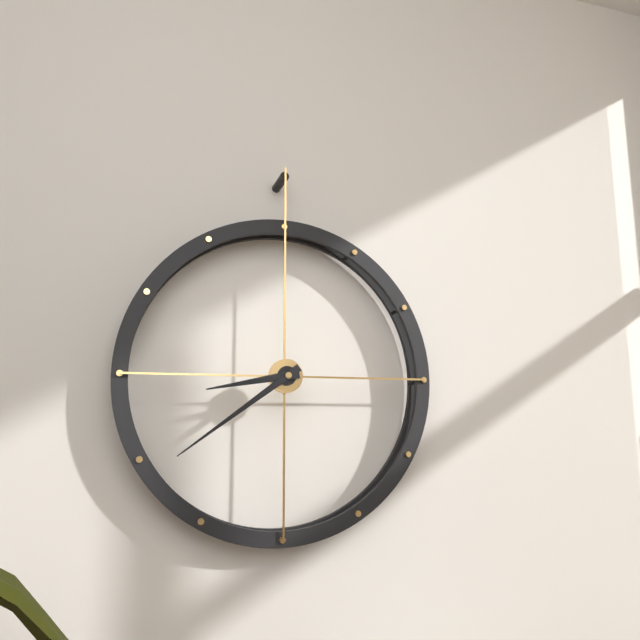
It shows {"hour": 8, "minute": 39}
